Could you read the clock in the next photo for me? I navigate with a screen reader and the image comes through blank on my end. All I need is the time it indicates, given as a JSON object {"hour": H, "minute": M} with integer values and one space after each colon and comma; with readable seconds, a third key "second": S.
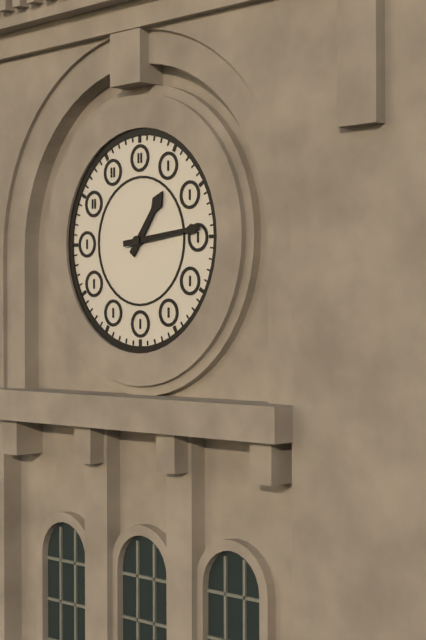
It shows {"hour": 1, "minute": 14}
